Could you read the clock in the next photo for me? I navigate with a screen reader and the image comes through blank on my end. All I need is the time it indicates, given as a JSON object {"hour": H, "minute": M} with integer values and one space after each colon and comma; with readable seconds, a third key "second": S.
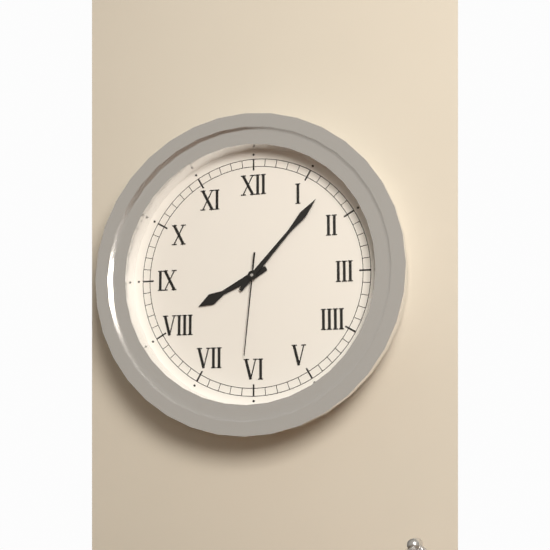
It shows {"hour": 8, "minute": 7, "second": 31}
